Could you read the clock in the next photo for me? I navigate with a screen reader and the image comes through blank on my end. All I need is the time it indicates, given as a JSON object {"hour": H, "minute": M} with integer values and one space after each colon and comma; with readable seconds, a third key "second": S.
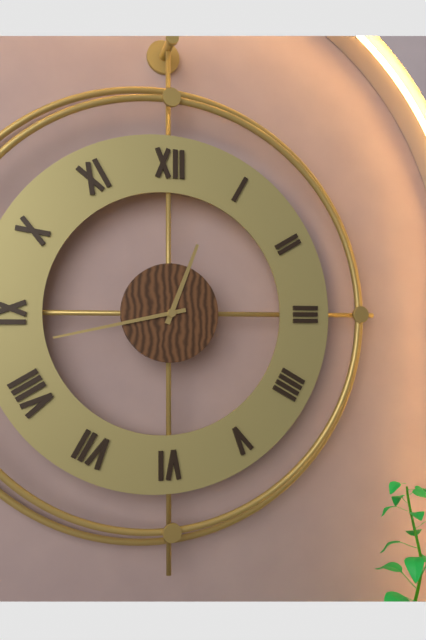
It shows {"hour": 12, "minute": 43}
